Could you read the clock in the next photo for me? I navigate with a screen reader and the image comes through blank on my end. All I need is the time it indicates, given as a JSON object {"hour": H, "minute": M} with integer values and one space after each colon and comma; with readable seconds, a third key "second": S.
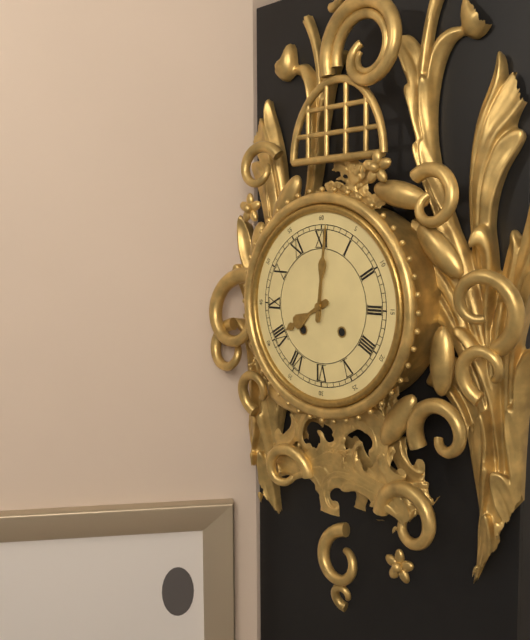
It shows {"hour": 8, "minute": 1}
